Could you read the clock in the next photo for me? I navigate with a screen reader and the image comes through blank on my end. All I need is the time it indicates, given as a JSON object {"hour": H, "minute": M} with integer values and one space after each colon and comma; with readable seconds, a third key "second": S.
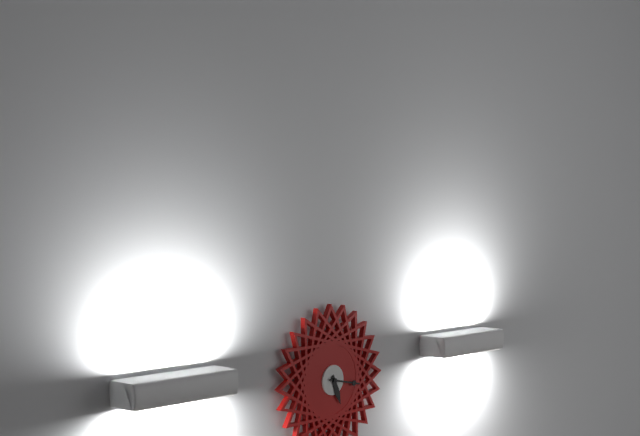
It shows {"hour": 5, "minute": 17}
